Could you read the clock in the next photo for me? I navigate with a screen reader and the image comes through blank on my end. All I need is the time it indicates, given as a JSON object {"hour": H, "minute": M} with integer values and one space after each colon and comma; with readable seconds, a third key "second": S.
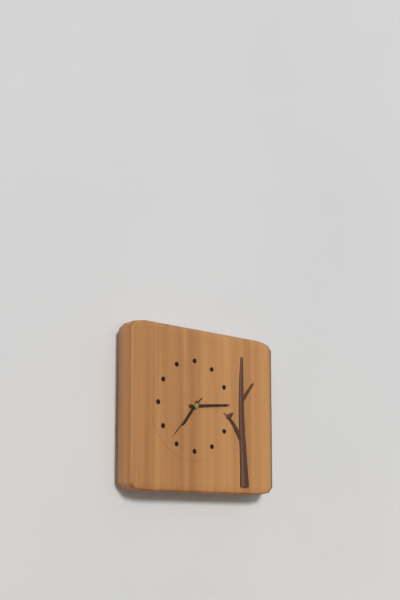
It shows {"hour": 7, "minute": 14}
